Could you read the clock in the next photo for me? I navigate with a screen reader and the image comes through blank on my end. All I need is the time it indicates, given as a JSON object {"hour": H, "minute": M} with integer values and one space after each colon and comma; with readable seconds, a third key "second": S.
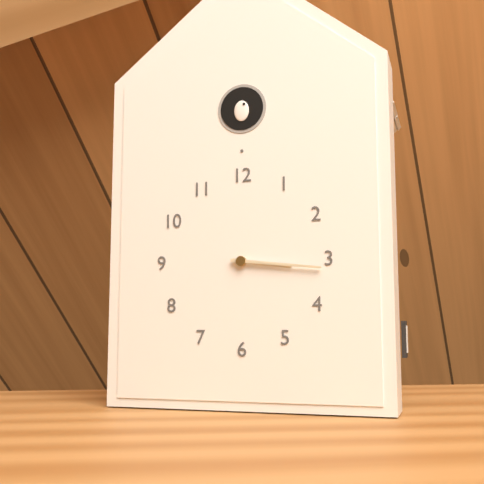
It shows {"hour": 3, "minute": 16}
